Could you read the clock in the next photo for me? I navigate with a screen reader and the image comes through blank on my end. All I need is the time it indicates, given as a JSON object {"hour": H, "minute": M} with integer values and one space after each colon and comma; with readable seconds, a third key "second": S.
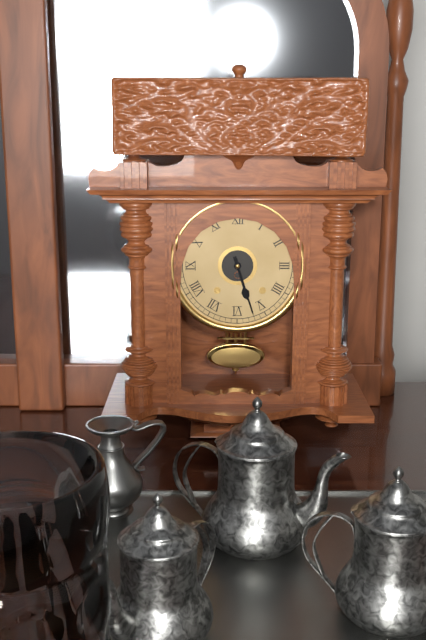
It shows {"hour": 5, "minute": 27}
